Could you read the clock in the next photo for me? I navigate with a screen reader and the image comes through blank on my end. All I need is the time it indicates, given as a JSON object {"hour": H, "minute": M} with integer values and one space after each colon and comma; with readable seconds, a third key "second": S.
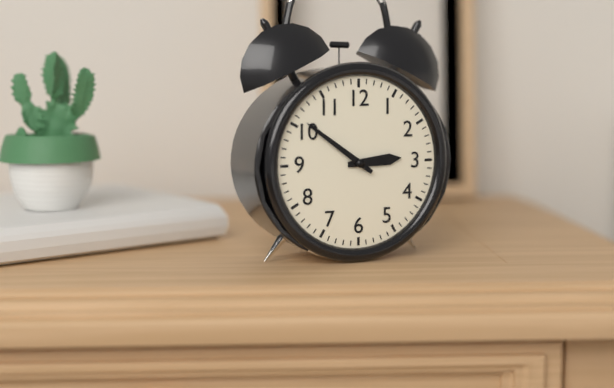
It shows {"hour": 2, "minute": 51}
